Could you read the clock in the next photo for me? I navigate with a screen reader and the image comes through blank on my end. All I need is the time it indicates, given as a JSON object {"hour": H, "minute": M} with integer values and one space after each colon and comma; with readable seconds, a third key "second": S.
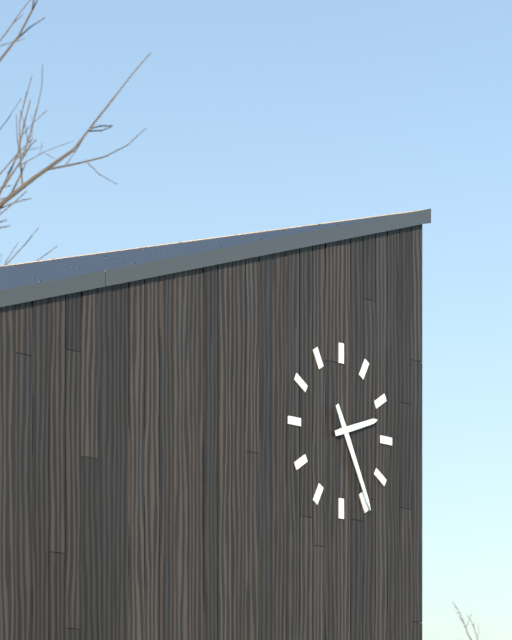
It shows {"hour": 2, "minute": 25}
